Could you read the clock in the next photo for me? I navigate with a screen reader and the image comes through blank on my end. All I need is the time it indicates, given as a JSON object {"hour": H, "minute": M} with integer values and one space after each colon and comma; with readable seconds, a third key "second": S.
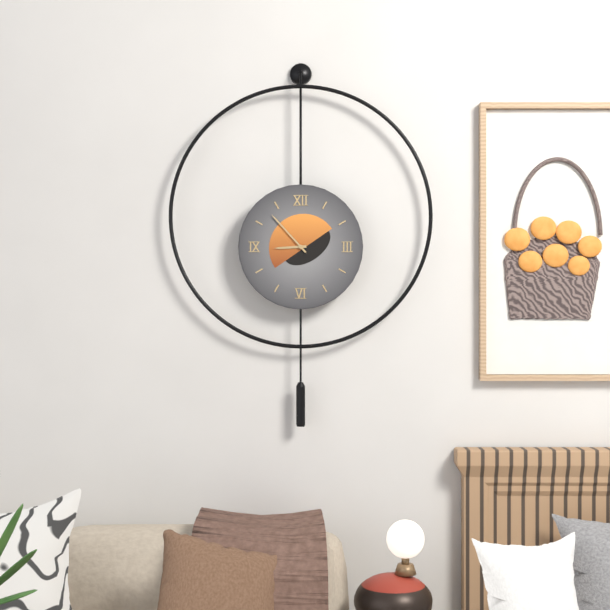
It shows {"hour": 8, "minute": 53}
